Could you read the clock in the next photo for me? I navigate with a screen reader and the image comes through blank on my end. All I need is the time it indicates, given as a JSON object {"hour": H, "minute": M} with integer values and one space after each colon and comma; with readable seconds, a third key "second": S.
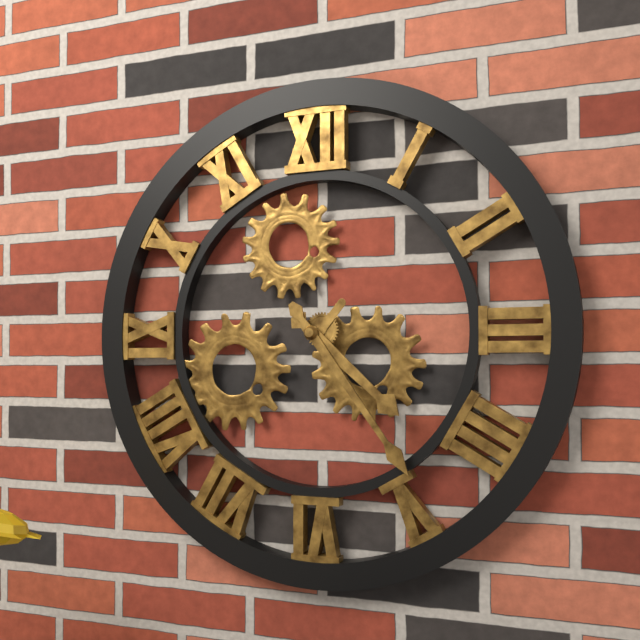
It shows {"hour": 4, "minute": 24}
